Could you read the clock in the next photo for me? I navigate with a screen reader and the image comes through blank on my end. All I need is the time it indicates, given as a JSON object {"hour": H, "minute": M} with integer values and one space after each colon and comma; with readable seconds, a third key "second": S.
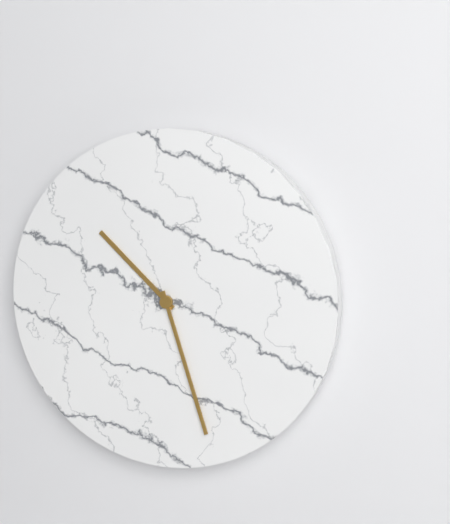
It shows {"hour": 10, "minute": 27}
